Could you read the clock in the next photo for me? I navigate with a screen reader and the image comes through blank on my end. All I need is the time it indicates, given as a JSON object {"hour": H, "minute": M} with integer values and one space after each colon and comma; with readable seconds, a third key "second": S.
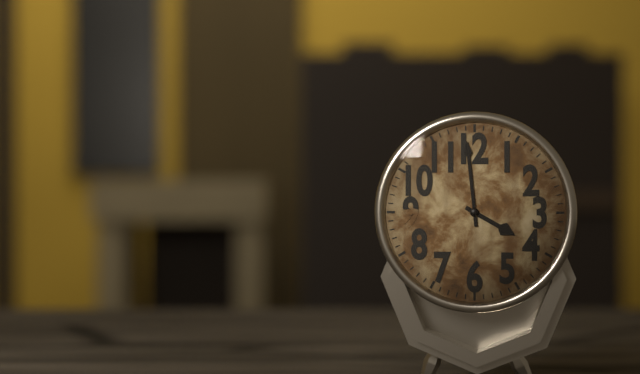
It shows {"hour": 3, "minute": 59}
